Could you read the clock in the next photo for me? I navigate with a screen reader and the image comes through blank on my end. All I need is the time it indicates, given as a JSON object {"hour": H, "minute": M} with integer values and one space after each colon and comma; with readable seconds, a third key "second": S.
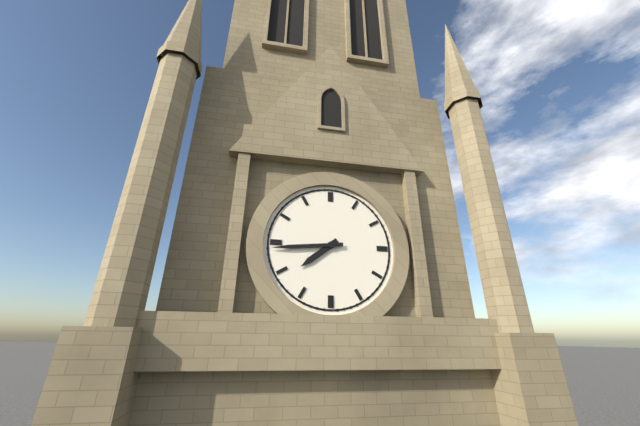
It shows {"hour": 7, "minute": 44}
